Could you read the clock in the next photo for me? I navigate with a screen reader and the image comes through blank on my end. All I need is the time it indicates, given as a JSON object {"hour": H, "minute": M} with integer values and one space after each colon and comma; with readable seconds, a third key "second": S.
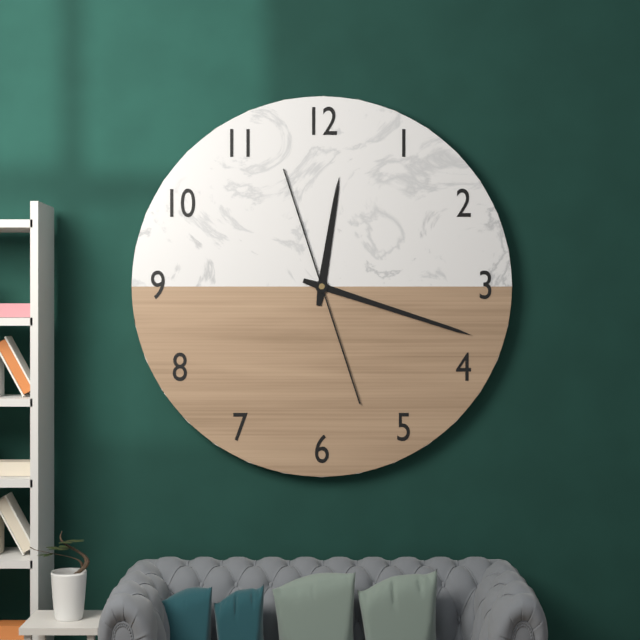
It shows {"hour": 12, "minute": 18}
